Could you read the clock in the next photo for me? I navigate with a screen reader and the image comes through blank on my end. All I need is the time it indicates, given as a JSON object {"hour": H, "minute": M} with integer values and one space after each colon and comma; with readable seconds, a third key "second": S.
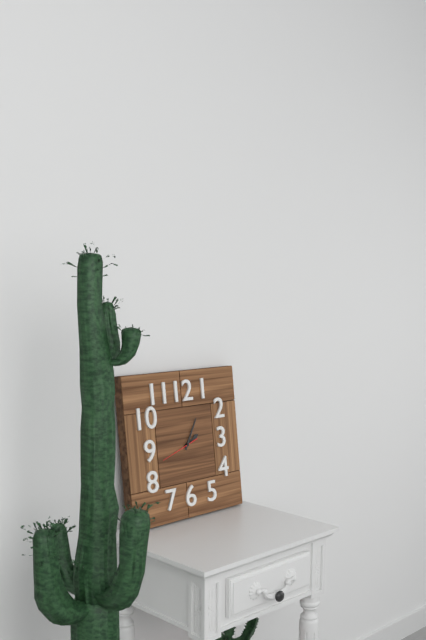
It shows {"hour": 2, "minute": 5}
